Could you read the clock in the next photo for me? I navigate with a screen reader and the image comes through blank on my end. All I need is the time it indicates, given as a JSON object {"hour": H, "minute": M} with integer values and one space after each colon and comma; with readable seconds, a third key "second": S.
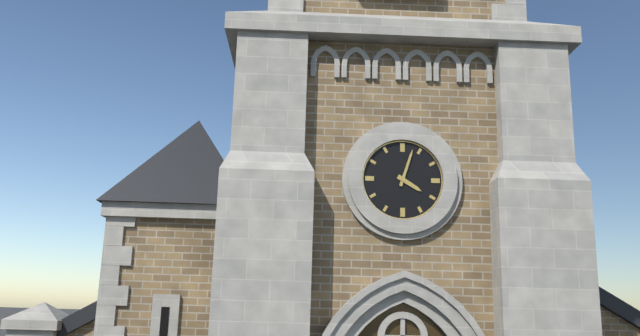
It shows {"hour": 4, "minute": 3}
